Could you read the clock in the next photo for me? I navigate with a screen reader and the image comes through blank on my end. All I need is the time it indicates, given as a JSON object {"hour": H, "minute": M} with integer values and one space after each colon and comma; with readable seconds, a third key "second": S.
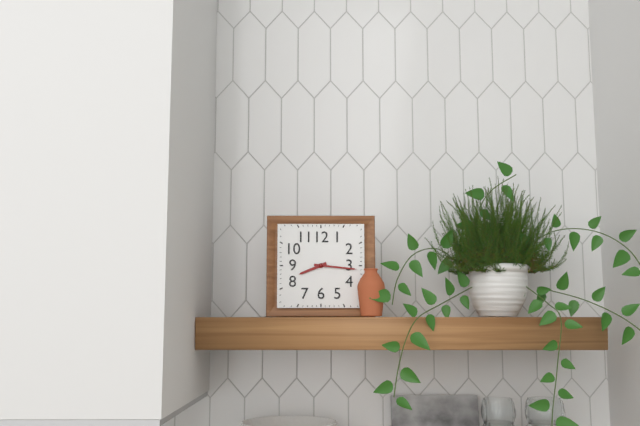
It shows {"hour": 8, "minute": 16}
